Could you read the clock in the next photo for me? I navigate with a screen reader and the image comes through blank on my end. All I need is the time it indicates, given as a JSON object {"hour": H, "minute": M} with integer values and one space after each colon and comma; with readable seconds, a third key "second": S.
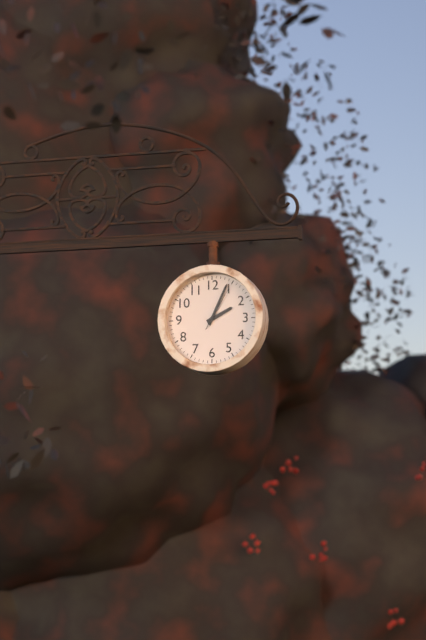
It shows {"hour": 2, "minute": 4}
